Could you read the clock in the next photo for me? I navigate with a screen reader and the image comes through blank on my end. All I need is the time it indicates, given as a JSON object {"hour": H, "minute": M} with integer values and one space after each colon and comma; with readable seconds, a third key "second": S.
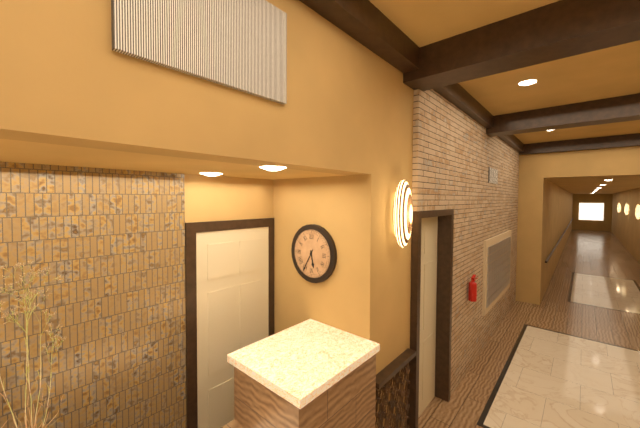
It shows {"hour": 5, "minute": 35}
